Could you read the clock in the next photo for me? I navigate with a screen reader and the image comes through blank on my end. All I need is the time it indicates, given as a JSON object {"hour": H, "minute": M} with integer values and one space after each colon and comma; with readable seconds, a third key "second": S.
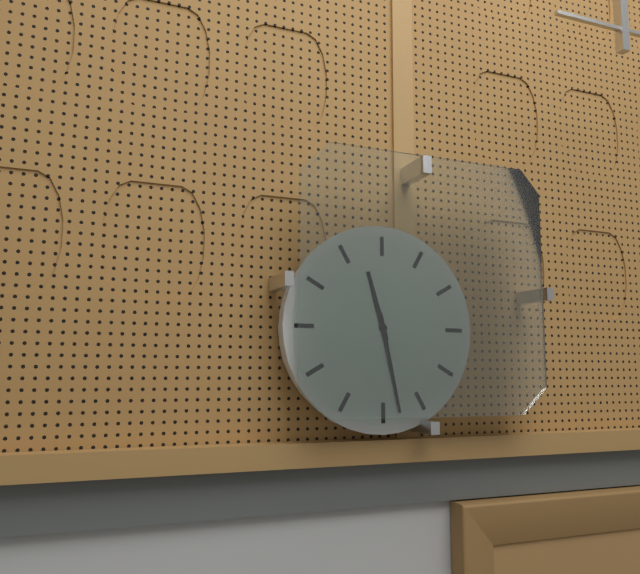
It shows {"hour": 11, "minute": 28}
